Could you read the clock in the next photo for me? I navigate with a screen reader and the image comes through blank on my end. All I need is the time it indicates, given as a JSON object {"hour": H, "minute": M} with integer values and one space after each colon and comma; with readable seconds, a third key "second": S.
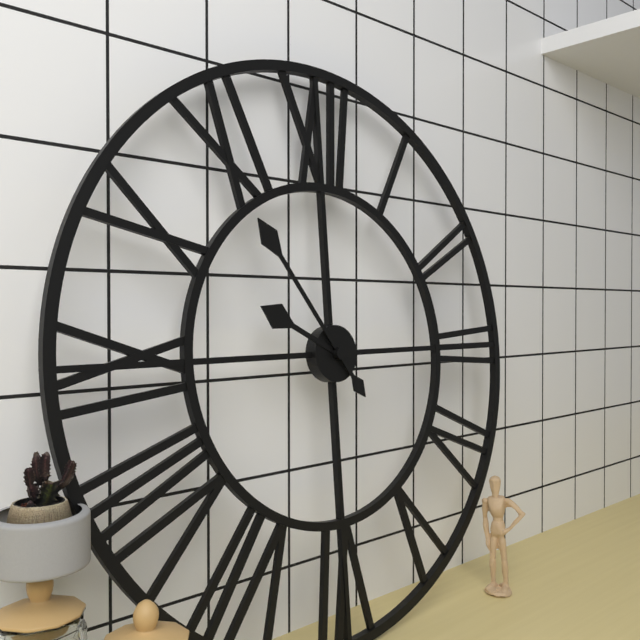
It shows {"hour": 9, "minute": 54}
